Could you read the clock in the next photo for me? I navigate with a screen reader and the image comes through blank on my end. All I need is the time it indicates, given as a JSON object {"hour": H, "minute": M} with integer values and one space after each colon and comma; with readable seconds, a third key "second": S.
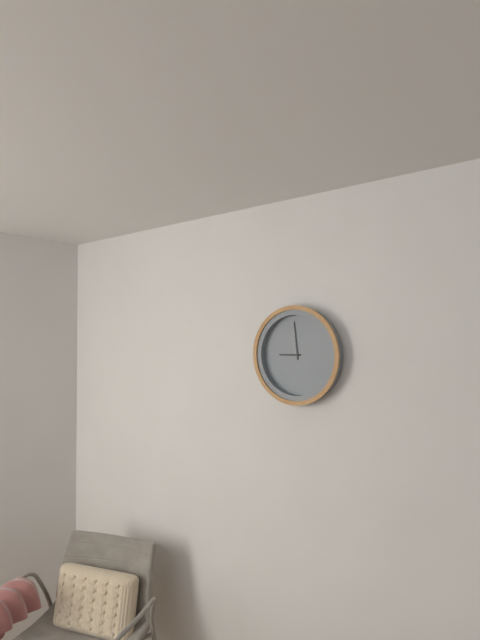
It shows {"hour": 8, "minute": 59}
